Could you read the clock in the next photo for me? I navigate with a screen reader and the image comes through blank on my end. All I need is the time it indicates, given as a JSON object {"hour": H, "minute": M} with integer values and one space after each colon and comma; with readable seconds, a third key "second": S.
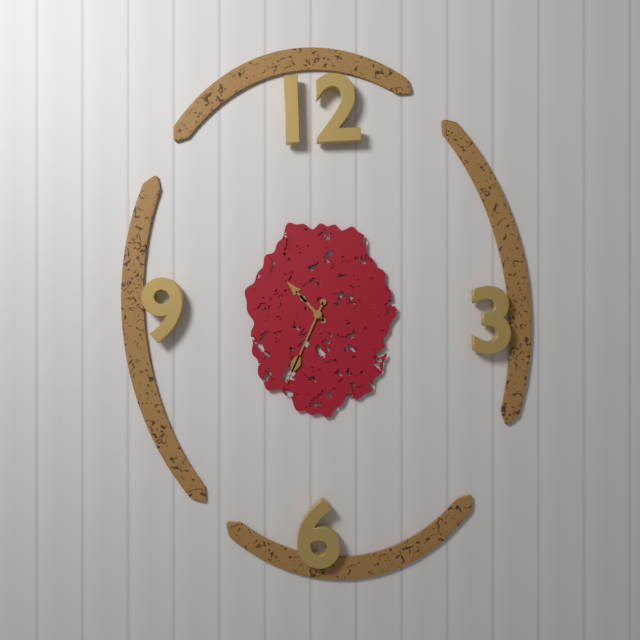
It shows {"hour": 10, "minute": 34}
